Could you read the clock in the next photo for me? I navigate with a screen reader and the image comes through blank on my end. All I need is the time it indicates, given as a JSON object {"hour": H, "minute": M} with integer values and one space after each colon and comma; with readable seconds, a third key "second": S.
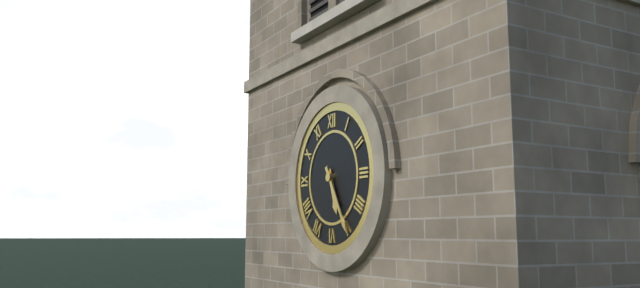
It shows {"hour": 5, "minute": 25}
